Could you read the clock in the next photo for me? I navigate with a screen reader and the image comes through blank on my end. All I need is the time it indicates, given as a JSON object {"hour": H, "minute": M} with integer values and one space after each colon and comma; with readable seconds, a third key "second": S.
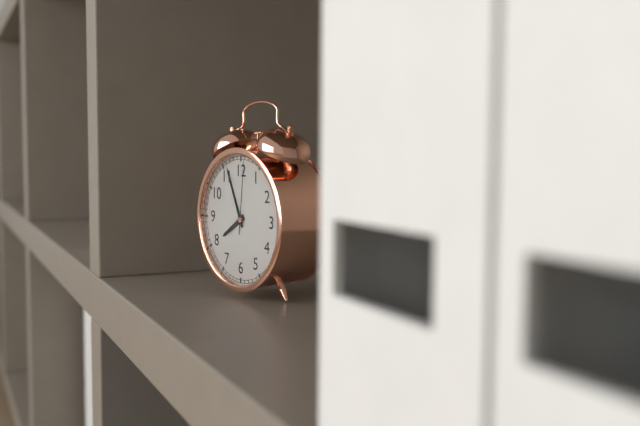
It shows {"hour": 7, "minute": 56, "second": 1}
